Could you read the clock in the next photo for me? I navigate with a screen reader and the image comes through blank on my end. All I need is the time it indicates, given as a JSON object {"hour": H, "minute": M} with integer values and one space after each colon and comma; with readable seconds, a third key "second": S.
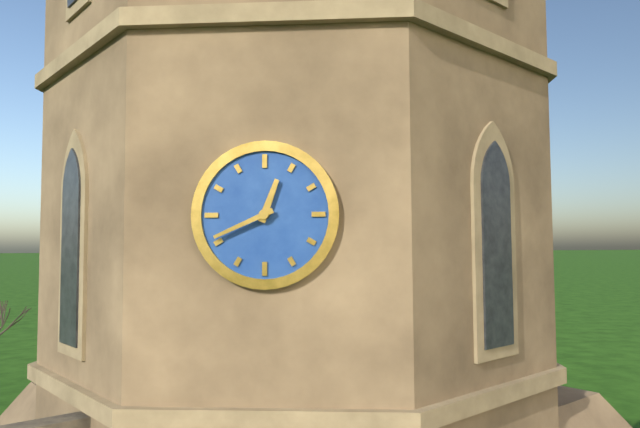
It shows {"hour": 12, "minute": 41}
